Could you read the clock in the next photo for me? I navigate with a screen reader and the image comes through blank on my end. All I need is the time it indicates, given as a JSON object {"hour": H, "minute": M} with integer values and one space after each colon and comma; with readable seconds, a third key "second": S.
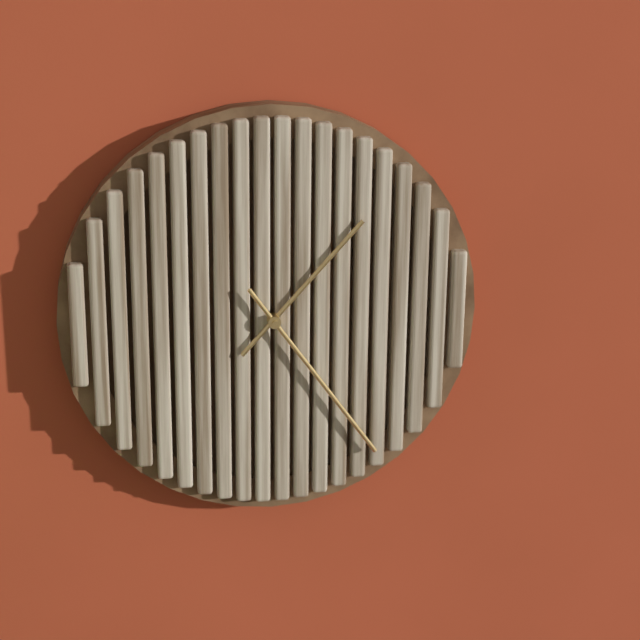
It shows {"hour": 1, "minute": 24}
